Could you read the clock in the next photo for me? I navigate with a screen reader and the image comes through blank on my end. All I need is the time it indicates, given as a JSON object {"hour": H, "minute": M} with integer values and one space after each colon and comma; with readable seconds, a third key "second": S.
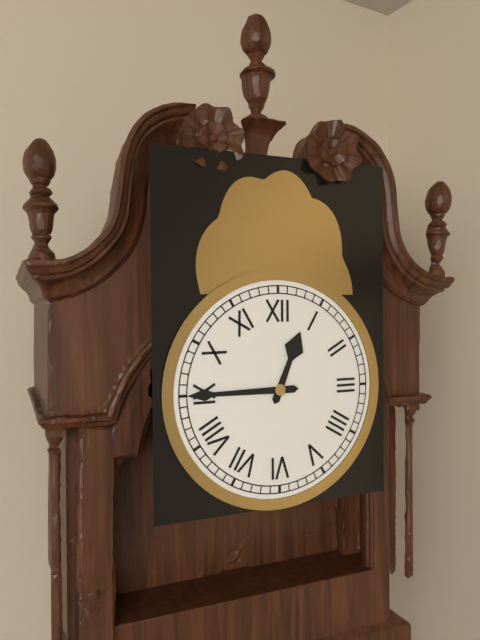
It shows {"hour": 12, "minute": 45}
